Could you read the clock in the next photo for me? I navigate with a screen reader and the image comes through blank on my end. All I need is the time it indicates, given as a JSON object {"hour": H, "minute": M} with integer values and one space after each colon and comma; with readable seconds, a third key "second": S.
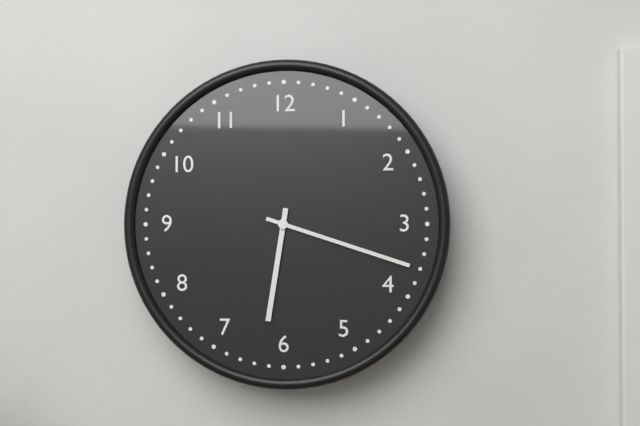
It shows {"hour": 6, "minute": 18}
